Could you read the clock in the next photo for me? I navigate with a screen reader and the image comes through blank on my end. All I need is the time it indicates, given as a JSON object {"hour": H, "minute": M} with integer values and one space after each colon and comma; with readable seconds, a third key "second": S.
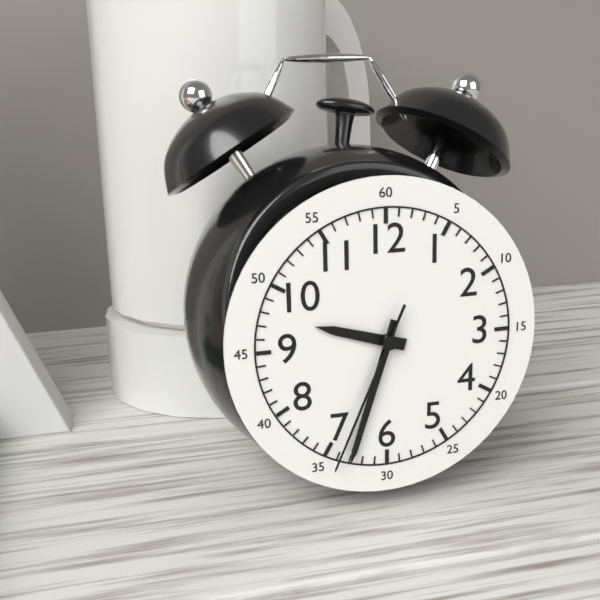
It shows {"hour": 9, "minute": 33, "second": 34}
